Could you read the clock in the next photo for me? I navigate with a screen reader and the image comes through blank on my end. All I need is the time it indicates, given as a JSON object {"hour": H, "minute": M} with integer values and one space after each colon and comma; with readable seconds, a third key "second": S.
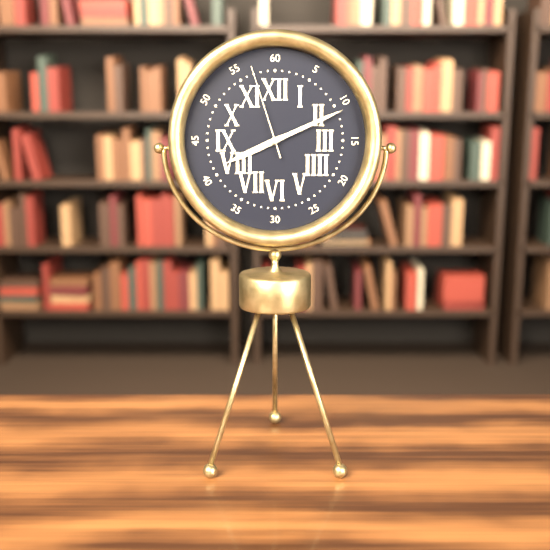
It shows {"hour": 8, "minute": 11, "second": 57}
